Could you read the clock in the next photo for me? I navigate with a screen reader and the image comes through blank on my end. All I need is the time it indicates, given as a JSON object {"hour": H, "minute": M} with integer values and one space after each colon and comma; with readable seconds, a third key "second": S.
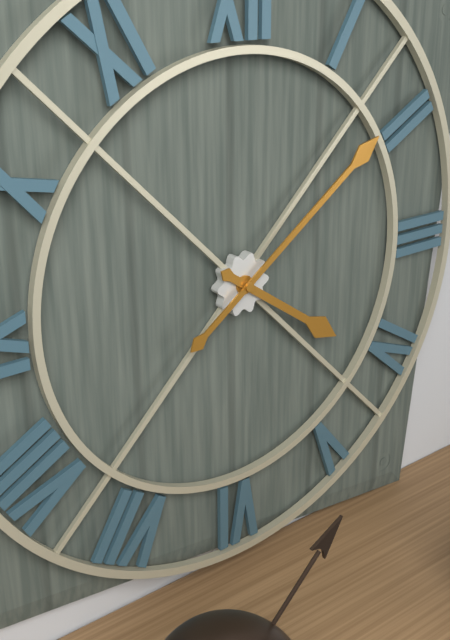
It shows {"hour": 4, "minute": 9}
